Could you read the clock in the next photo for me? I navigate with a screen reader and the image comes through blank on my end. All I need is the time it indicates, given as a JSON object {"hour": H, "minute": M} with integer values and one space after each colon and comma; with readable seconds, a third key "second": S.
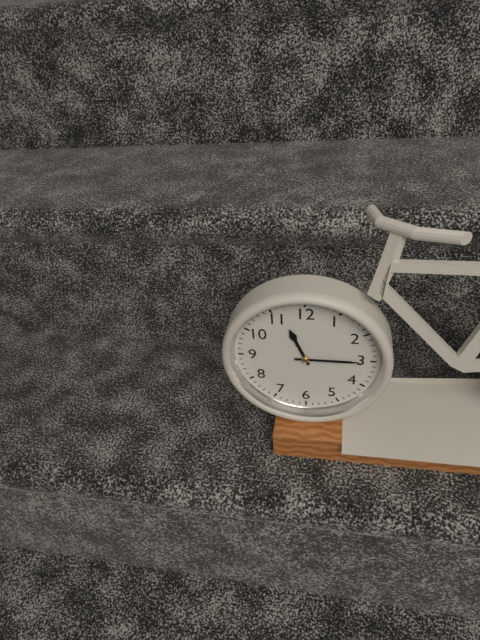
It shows {"hour": 11, "minute": 15}
